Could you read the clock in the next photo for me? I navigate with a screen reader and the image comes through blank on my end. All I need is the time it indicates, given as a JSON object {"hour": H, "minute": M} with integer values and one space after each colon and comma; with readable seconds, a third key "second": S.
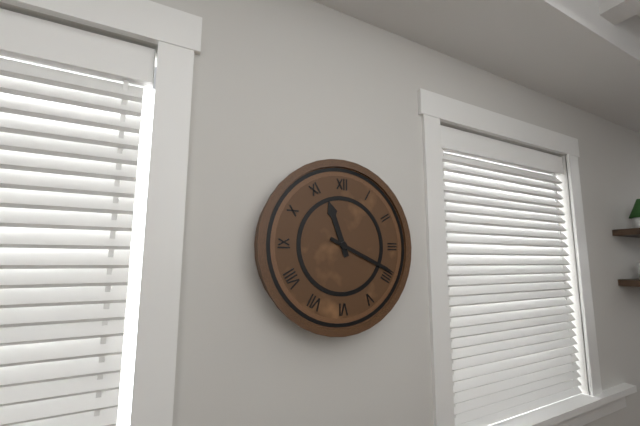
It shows {"hour": 11, "minute": 19}
